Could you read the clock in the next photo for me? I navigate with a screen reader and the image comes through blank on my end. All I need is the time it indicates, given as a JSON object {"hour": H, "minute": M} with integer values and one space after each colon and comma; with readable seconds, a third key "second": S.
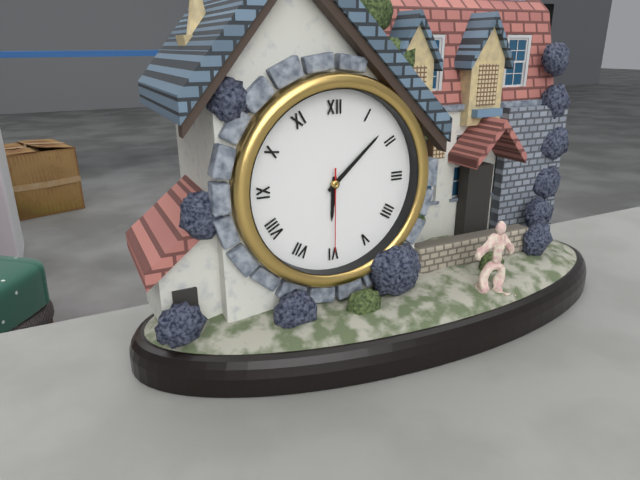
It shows {"hour": 6, "minute": 8, "second": 30}
